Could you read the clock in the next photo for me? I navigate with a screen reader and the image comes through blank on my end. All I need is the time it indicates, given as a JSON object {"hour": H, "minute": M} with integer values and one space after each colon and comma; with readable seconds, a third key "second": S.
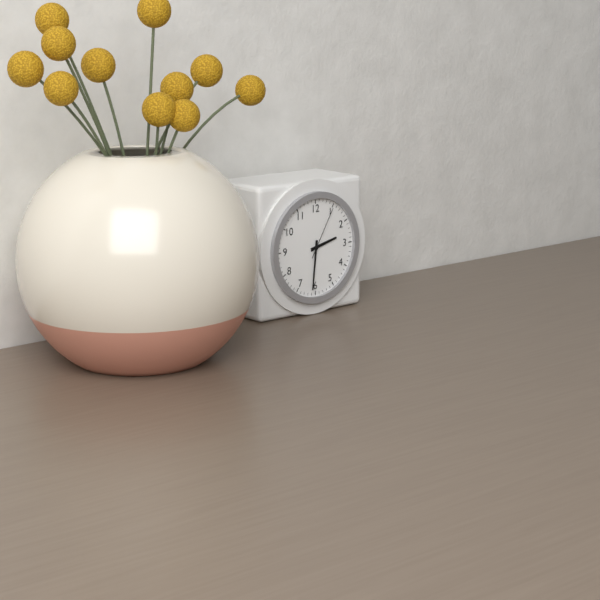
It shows {"hour": 2, "minute": 31, "second": 5}
